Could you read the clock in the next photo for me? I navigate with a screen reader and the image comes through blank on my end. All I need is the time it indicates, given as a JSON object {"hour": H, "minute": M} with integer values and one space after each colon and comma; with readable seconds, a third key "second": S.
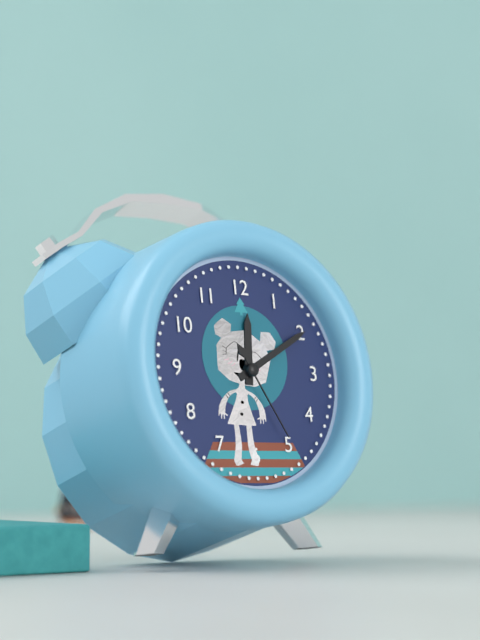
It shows {"hour": 12, "minute": 10, "second": 25}
